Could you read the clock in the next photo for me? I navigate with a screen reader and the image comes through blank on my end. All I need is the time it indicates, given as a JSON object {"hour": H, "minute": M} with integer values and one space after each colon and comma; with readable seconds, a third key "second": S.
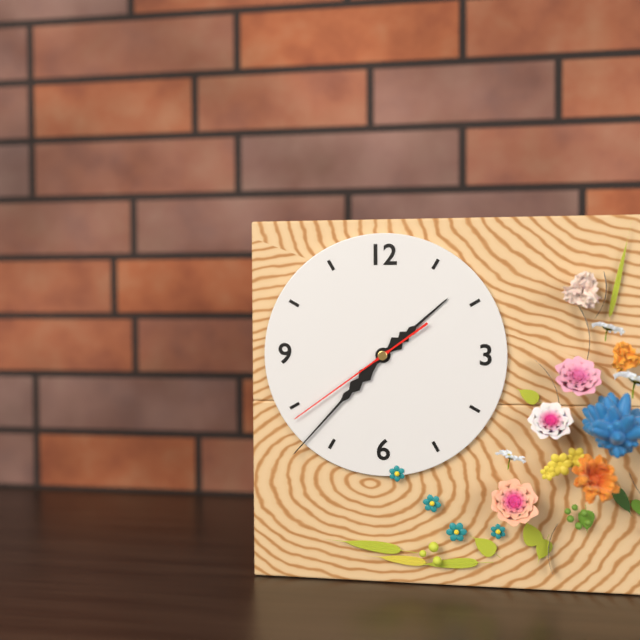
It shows {"hour": 1, "minute": 37, "second": 39}
